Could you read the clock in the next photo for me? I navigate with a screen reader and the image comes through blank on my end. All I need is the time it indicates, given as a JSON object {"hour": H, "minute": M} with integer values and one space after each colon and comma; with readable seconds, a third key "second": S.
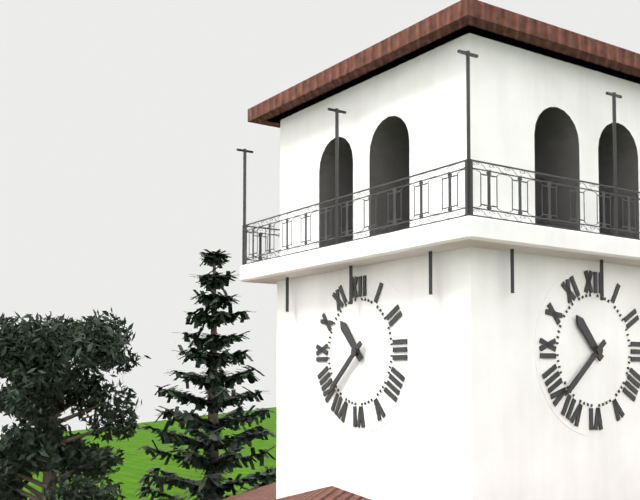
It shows {"hour": 10, "minute": 38}
